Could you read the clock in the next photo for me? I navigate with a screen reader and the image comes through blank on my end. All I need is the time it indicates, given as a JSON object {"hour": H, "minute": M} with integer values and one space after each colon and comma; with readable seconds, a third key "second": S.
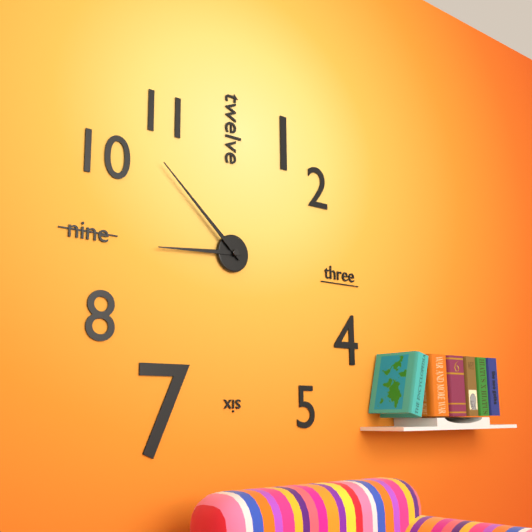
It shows {"hour": 8, "minute": 52}
